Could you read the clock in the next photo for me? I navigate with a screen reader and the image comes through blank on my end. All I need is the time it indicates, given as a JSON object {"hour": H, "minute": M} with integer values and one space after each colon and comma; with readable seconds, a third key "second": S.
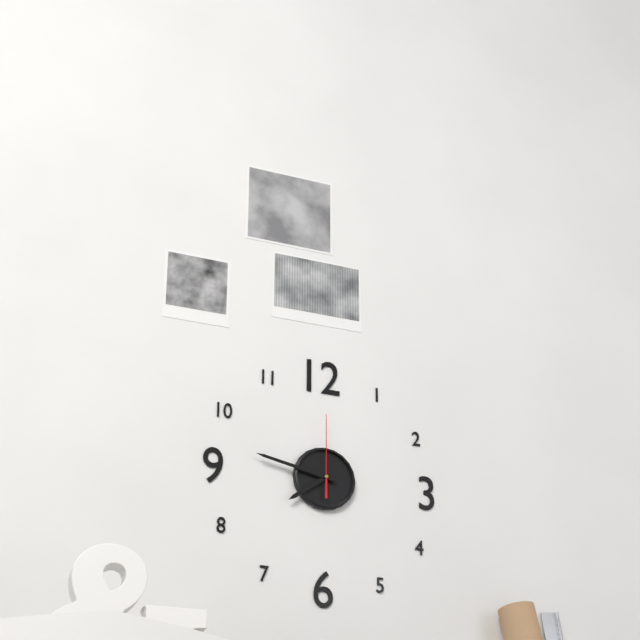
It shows {"hour": 7, "minute": 47, "second": 0}
